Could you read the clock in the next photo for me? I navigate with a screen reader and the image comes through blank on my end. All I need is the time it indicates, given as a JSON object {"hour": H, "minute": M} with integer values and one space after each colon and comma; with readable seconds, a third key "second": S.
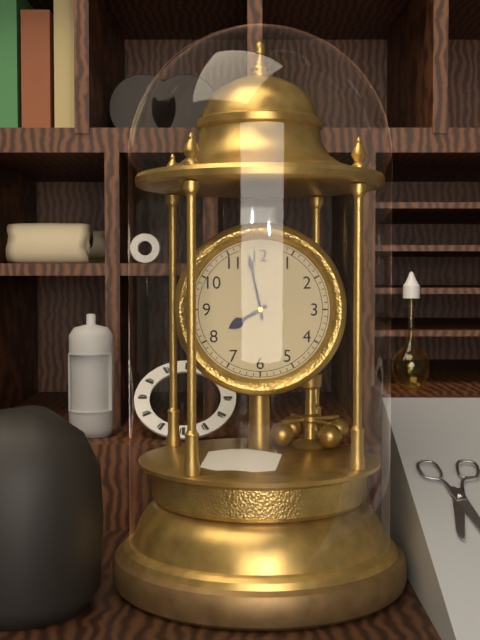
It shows {"hour": 7, "minute": 58}
